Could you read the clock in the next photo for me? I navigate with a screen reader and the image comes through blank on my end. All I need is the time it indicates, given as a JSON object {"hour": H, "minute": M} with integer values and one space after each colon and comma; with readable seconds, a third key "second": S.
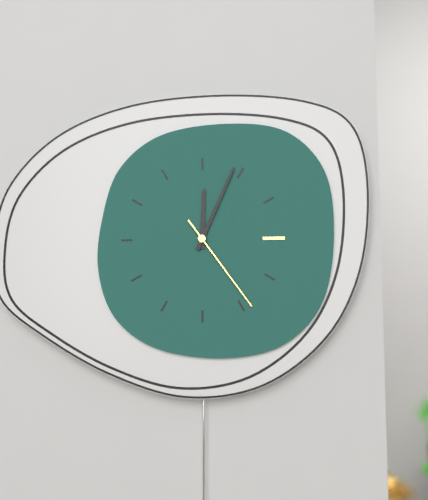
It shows {"hour": 12, "minute": 4, "second": 24}
